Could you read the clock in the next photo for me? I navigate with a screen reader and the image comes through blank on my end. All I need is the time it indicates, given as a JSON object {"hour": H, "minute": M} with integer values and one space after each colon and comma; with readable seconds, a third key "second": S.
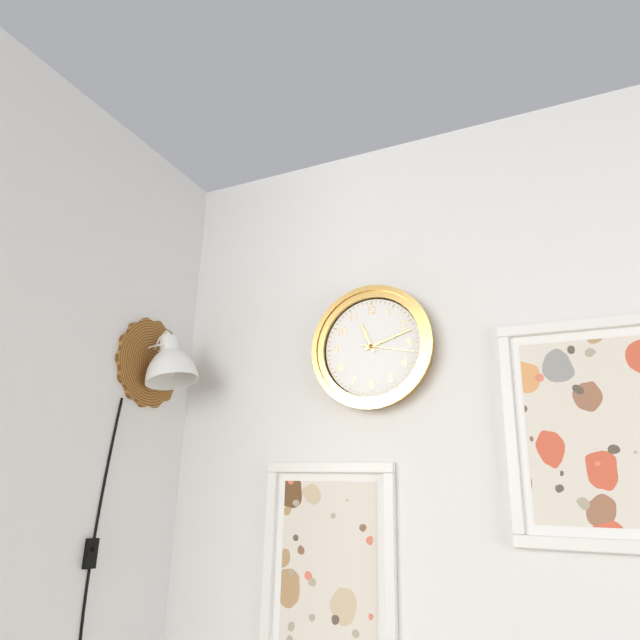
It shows {"hour": 11, "minute": 12, "second": 17}
